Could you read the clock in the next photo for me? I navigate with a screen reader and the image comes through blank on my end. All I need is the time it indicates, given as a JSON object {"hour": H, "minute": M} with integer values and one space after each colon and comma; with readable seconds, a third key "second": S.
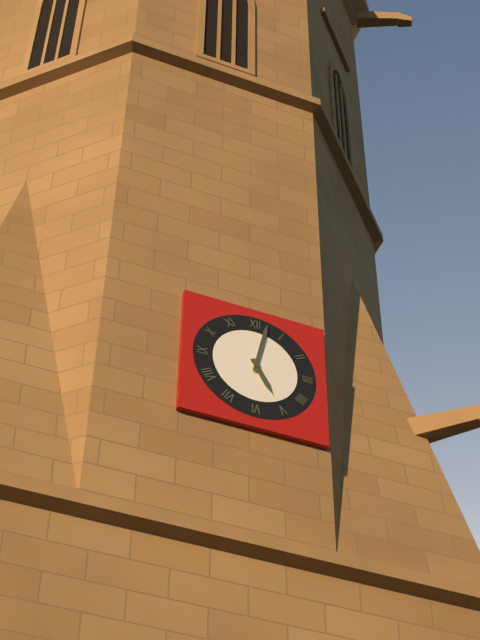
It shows {"hour": 5, "minute": 2}
